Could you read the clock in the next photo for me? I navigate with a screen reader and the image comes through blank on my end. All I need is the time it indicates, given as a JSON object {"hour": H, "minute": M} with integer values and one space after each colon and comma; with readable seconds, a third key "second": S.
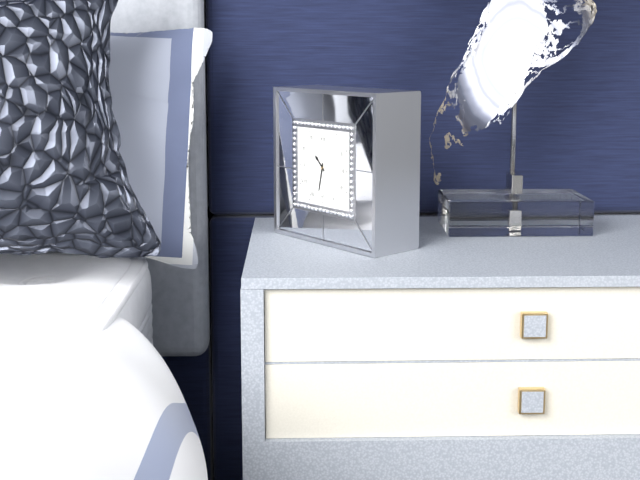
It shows {"hour": 10, "minute": 32}
